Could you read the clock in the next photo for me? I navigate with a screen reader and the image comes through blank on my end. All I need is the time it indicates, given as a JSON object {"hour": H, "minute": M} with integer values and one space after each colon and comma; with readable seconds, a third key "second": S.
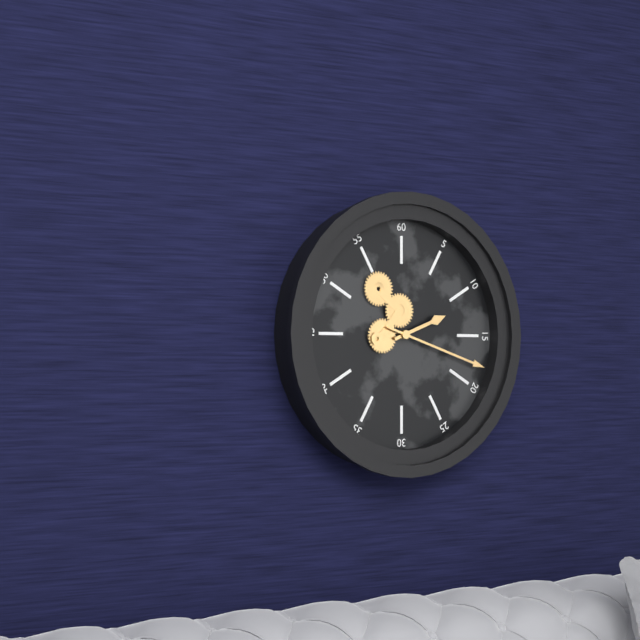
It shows {"hour": 2, "minute": 18}
